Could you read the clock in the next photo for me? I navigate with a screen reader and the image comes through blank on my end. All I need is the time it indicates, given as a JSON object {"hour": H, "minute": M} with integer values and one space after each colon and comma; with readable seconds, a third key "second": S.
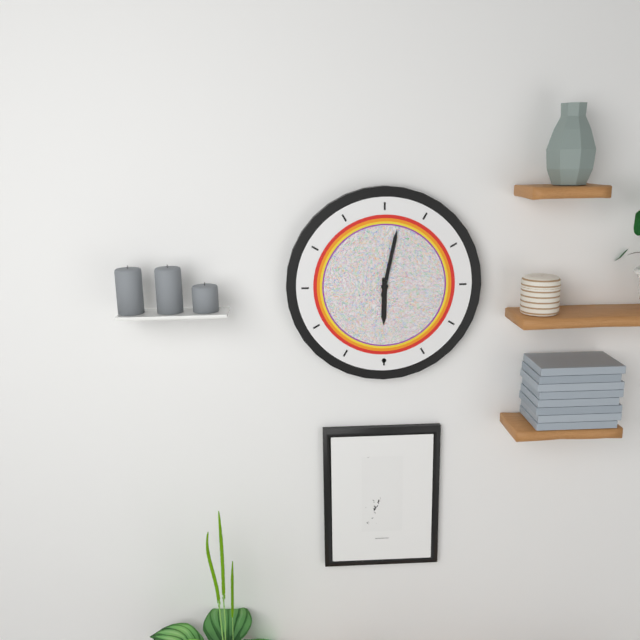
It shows {"hour": 6, "minute": 2}
